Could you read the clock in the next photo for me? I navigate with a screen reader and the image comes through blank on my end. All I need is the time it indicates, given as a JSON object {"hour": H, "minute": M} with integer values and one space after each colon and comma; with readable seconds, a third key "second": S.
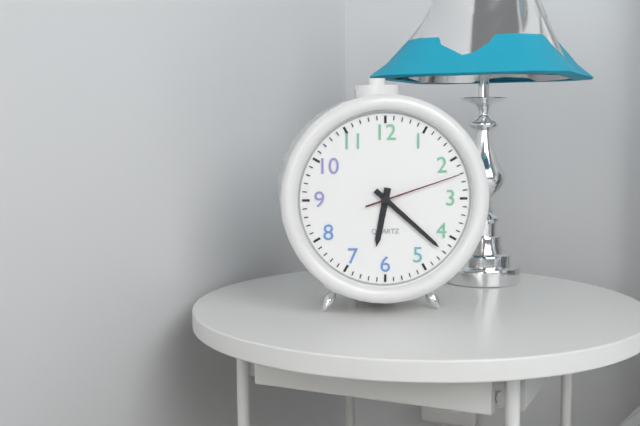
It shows {"hour": 6, "minute": 22, "second": 12}
